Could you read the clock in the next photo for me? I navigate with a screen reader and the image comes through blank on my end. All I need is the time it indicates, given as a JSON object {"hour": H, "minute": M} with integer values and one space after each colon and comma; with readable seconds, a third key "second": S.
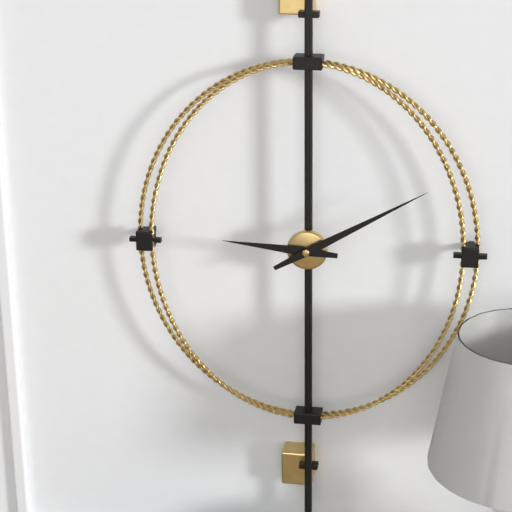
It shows {"hour": 9, "minute": 10}
